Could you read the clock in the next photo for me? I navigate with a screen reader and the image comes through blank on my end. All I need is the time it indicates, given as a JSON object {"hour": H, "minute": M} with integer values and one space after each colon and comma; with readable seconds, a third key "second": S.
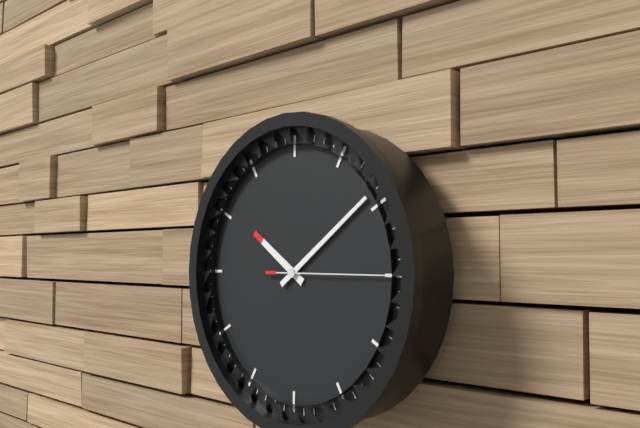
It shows {"hour": 10, "minute": 9, "second": 15}
